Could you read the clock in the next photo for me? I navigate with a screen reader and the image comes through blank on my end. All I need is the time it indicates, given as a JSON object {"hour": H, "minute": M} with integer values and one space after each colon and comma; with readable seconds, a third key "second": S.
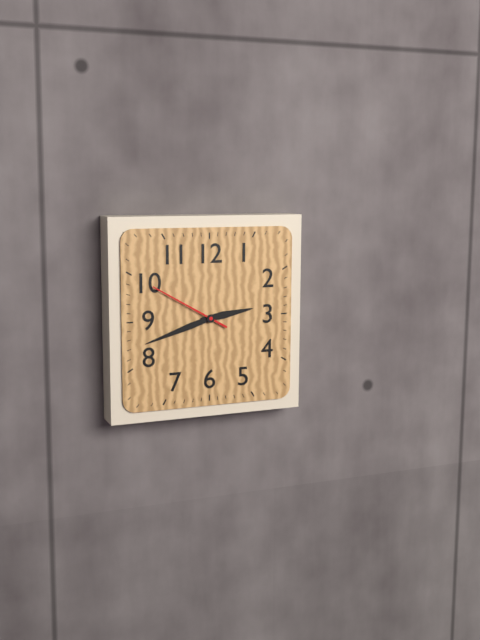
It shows {"hour": 2, "minute": 42, "second": 50}
